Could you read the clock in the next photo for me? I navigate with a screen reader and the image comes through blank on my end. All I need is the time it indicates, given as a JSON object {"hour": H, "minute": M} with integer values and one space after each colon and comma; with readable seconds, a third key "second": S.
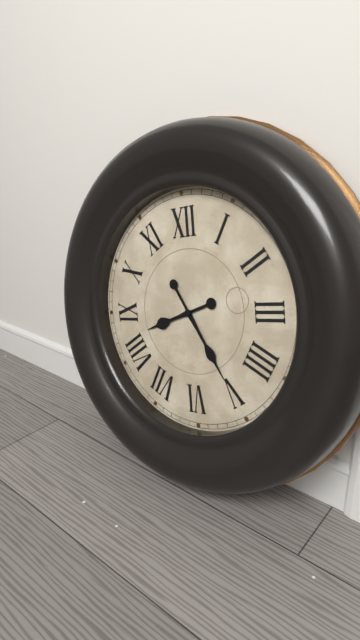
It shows {"hour": 8, "minute": 25}
